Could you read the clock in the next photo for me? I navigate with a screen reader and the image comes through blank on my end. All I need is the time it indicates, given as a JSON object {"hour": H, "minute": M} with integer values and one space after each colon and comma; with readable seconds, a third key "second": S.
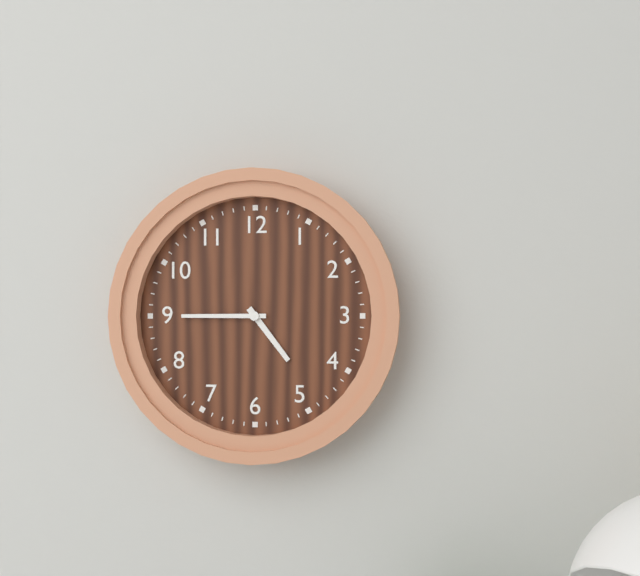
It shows {"hour": 4, "minute": 45}
